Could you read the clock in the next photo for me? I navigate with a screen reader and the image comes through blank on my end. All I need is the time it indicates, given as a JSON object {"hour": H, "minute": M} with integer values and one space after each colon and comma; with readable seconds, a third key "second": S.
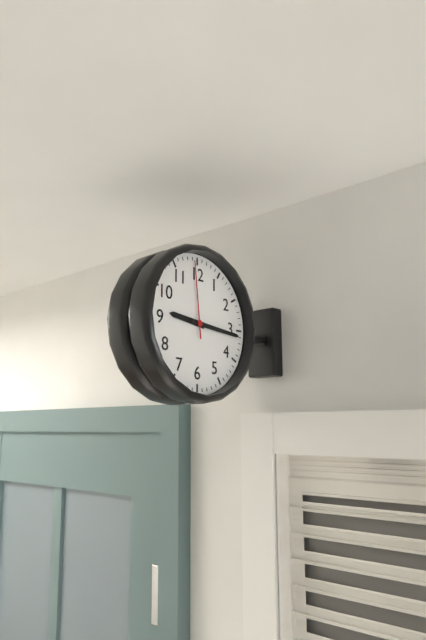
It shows {"hour": 9, "minute": 16, "second": 59}
